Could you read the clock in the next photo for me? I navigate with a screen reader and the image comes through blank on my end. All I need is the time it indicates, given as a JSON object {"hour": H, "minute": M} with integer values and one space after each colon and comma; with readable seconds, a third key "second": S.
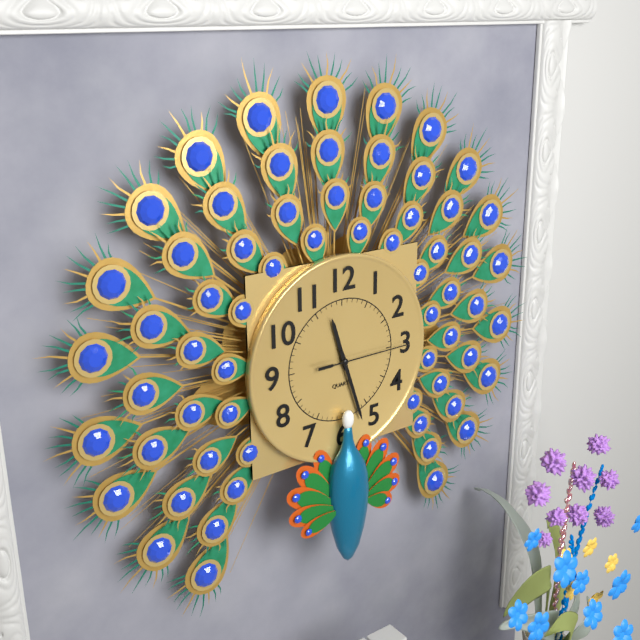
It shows {"hour": 11, "minute": 27, "second": 15}
